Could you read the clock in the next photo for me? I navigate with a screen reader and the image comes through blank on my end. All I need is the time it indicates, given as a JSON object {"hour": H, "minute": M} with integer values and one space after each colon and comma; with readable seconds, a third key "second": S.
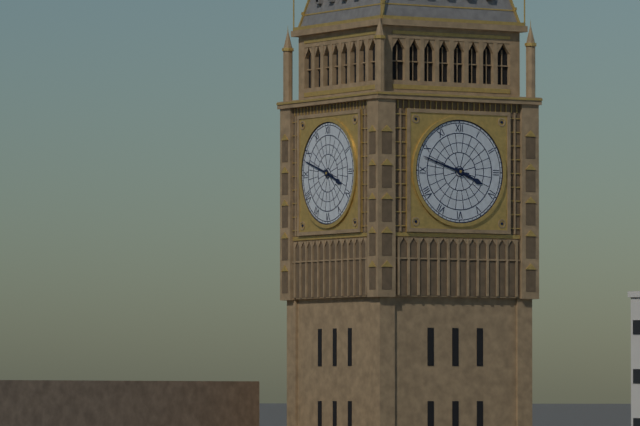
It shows {"hour": 3, "minute": 48}
